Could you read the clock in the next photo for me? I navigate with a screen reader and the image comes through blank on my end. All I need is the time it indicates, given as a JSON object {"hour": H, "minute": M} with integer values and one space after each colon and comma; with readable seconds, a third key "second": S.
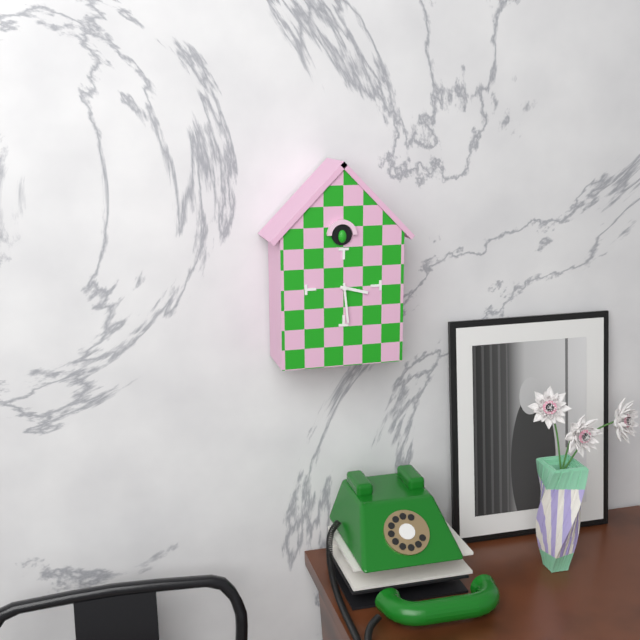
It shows {"hour": 3, "minute": 29}
